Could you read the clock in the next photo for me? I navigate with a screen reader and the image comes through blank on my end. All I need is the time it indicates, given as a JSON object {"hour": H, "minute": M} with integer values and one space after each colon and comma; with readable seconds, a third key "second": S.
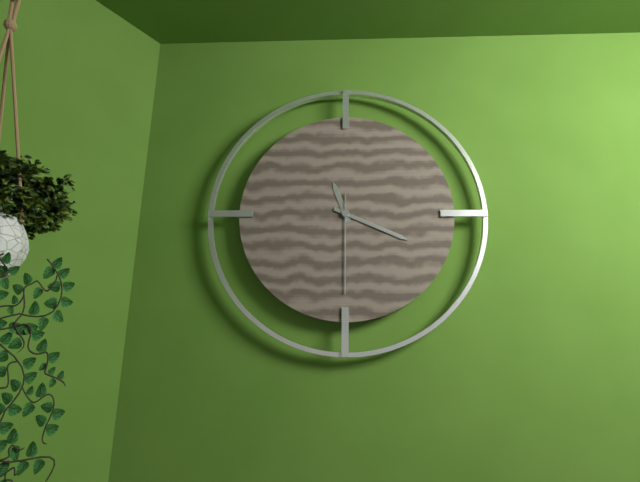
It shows {"hour": 11, "minute": 19, "second": 30}
